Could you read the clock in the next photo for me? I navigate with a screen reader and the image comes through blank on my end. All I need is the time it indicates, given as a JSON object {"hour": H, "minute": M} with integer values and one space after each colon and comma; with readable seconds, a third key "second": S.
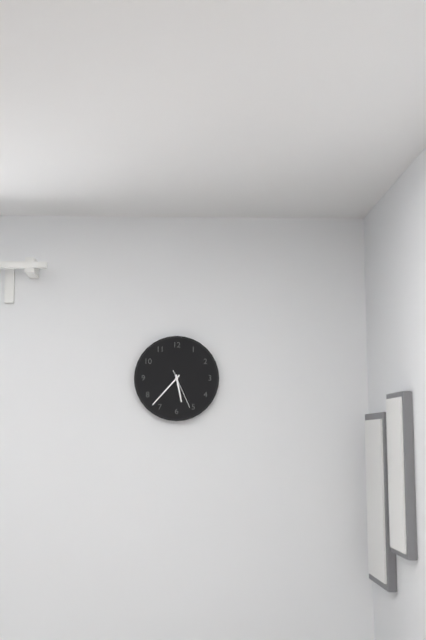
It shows {"hour": 5, "minute": 37}
